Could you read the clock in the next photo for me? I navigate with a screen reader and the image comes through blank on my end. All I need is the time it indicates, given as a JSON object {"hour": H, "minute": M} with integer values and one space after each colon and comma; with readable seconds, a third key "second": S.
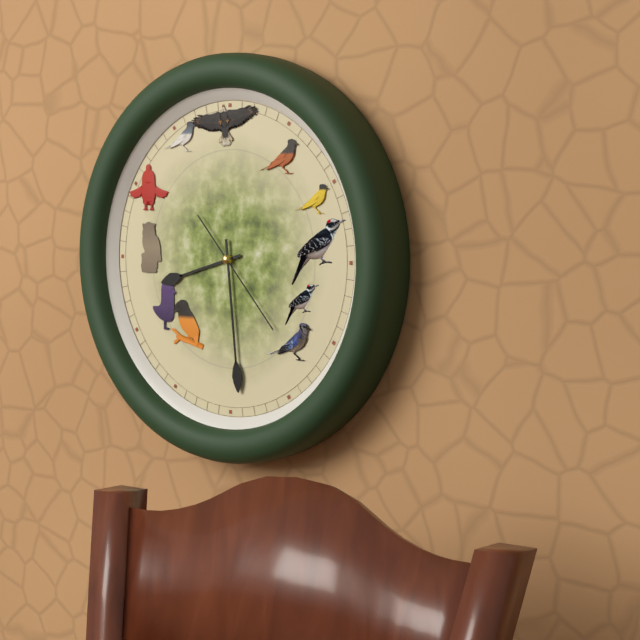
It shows {"hour": 8, "minute": 29, "second": 23}
